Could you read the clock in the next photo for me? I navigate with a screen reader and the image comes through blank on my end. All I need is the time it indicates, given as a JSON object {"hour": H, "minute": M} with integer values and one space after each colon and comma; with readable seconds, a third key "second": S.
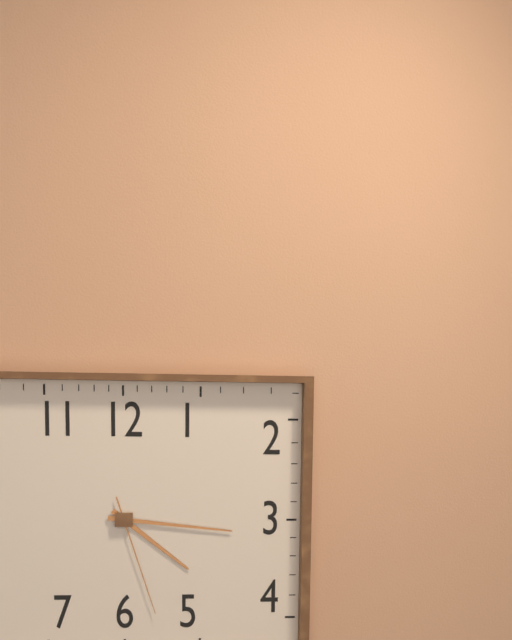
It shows {"hour": 4, "minute": 16, "second": 27}
